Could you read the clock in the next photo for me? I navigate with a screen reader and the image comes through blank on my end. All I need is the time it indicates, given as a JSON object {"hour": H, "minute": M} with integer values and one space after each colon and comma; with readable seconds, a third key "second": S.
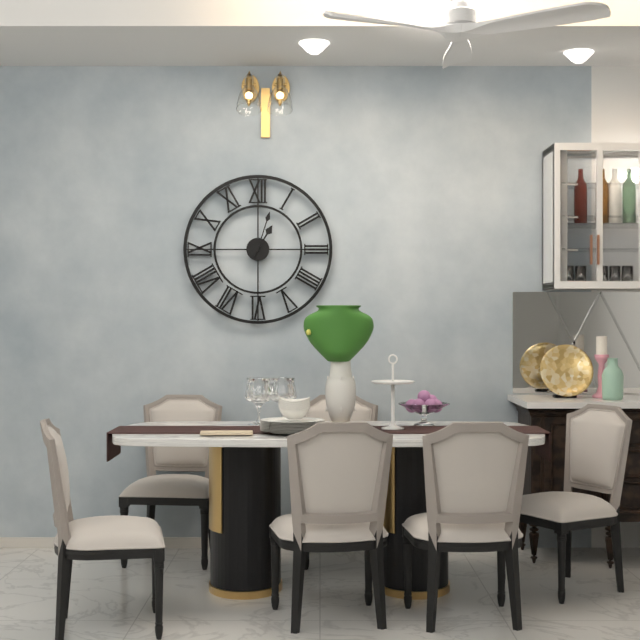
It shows {"hour": 1, "minute": 3}
